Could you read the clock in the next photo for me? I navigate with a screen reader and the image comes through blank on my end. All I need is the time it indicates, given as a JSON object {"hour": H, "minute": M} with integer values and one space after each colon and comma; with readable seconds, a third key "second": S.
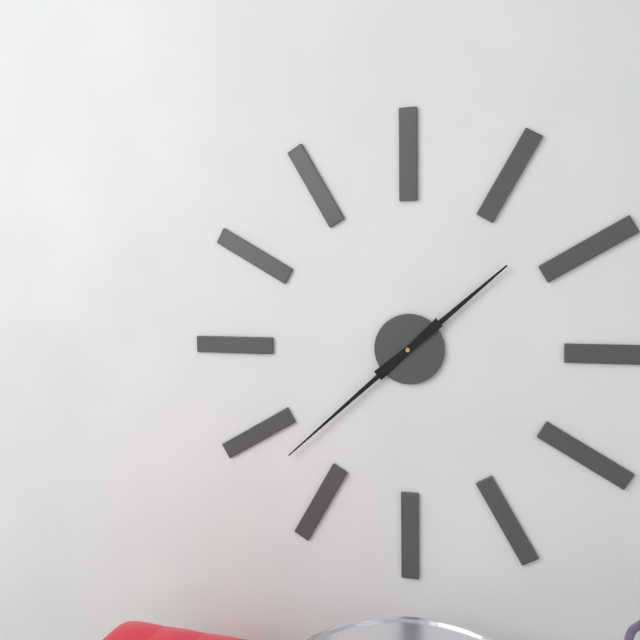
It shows {"hour": 1, "minute": 38}
